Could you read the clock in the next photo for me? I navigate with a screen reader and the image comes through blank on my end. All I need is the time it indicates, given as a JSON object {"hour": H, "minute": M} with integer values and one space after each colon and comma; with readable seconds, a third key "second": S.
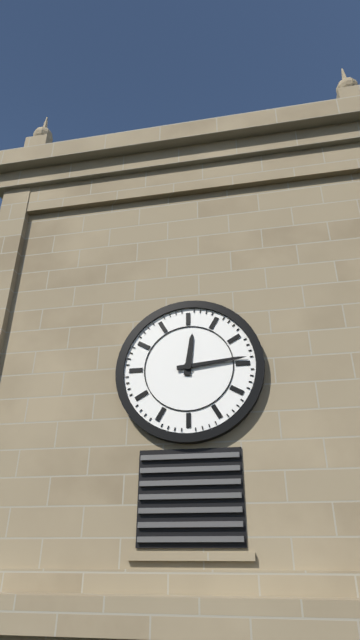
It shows {"hour": 12, "minute": 14}
